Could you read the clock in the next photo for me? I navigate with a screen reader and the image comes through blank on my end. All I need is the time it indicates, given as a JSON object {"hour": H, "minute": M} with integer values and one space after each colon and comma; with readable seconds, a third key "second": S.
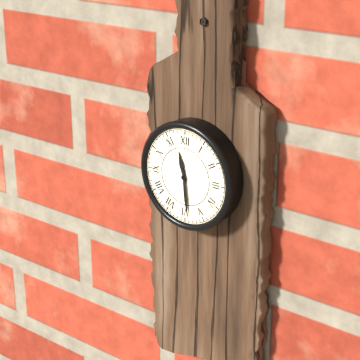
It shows {"hour": 11, "minute": 29}
